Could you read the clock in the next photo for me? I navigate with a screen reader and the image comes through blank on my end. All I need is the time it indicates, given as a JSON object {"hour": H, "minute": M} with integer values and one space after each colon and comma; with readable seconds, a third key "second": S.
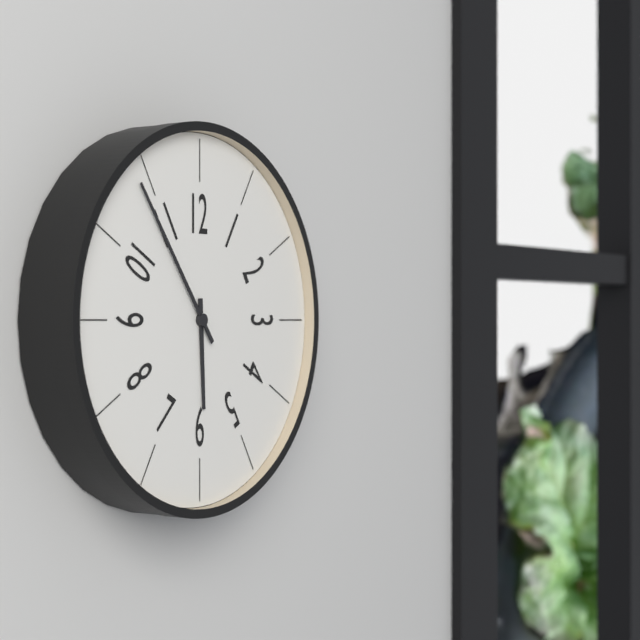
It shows {"hour": 5, "minute": 54}
